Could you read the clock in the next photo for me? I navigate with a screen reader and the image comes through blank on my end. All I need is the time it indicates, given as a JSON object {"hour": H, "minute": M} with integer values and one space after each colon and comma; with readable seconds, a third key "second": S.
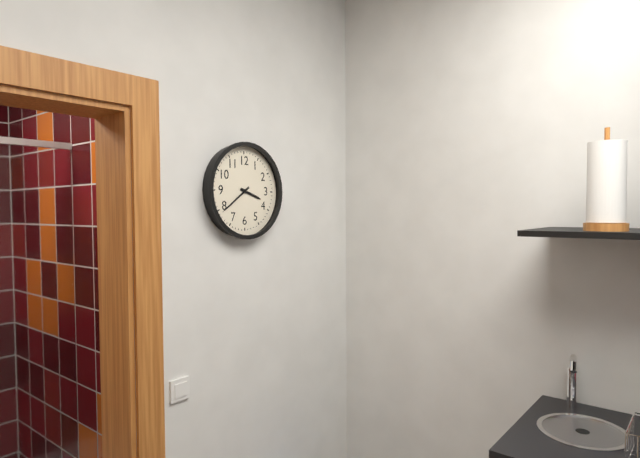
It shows {"hour": 3, "minute": 39}
